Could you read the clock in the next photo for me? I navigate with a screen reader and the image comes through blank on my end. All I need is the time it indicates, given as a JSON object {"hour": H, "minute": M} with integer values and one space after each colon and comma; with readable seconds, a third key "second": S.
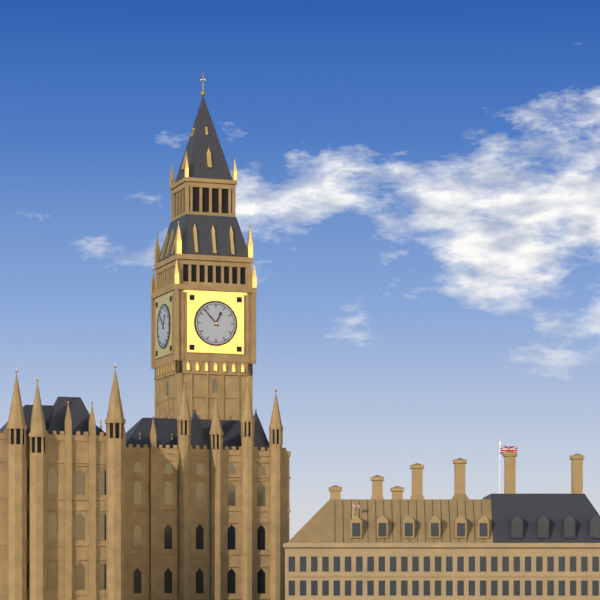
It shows {"hour": 12, "minute": 53}
